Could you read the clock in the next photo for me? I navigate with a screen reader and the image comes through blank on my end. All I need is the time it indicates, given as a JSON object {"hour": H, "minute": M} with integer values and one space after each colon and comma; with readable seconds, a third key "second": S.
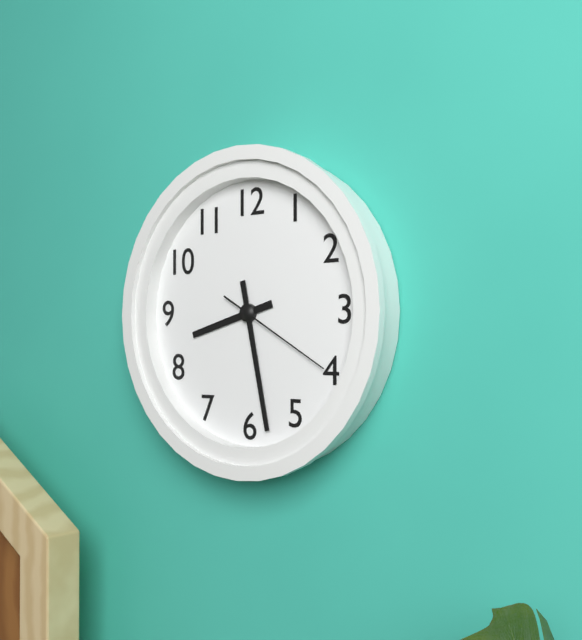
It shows {"hour": 8, "minute": 28, "second": 20}
